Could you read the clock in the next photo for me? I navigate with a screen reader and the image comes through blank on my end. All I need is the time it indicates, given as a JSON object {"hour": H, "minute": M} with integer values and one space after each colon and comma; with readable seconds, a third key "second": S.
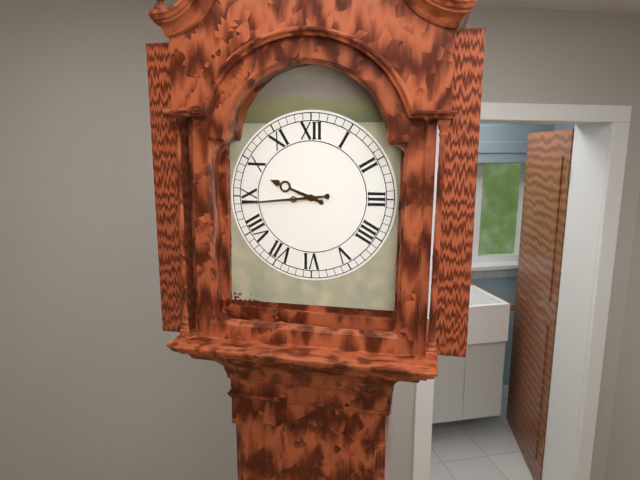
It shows {"hour": 9, "minute": 44}
